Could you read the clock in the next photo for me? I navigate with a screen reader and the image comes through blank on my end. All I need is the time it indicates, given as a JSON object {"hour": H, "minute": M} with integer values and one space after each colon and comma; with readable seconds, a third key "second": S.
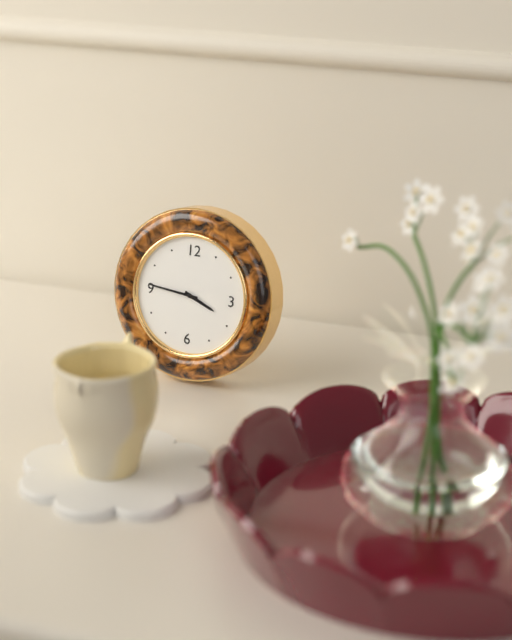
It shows {"hour": 3, "minute": 46}
